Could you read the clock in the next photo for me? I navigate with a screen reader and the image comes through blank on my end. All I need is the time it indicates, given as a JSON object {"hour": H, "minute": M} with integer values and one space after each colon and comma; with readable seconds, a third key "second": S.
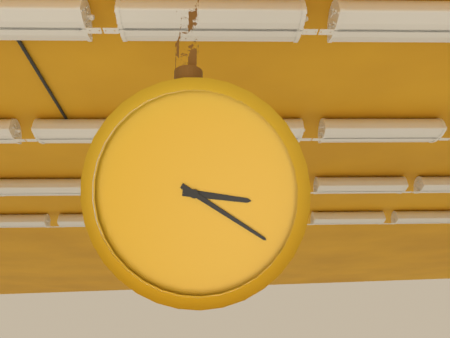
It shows {"hour": 3, "minute": 21}
